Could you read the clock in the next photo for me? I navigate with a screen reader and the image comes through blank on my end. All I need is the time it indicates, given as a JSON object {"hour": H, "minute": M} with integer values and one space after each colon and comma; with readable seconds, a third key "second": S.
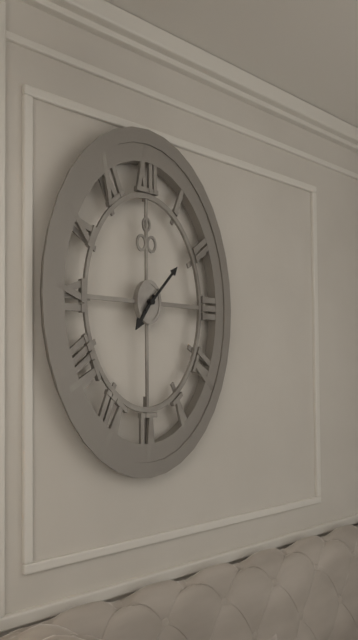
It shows {"hour": 7, "minute": 7}
